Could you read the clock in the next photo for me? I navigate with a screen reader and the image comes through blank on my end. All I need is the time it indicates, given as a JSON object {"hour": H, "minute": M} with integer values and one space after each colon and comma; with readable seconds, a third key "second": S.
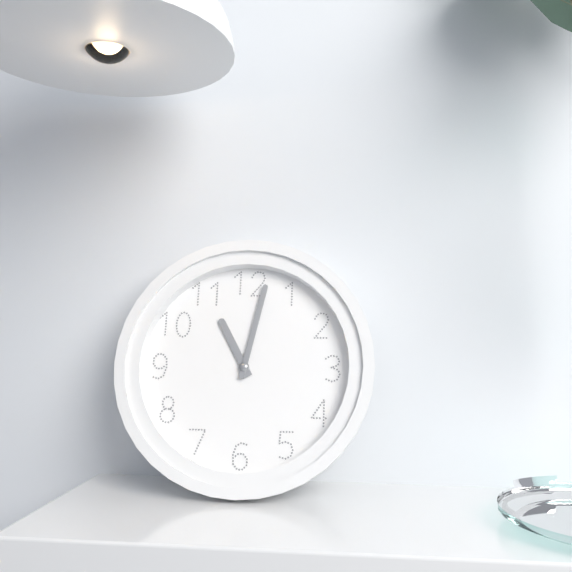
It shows {"hour": 11, "minute": 2}
